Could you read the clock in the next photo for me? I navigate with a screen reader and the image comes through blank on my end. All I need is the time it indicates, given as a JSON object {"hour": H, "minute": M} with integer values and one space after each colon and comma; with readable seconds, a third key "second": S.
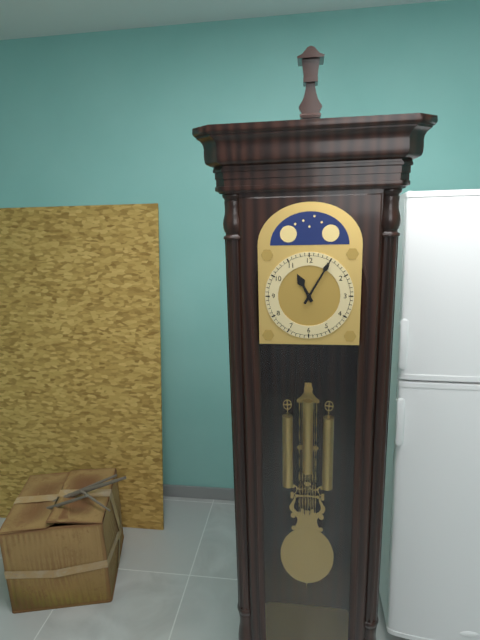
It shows {"hour": 11, "minute": 5}
